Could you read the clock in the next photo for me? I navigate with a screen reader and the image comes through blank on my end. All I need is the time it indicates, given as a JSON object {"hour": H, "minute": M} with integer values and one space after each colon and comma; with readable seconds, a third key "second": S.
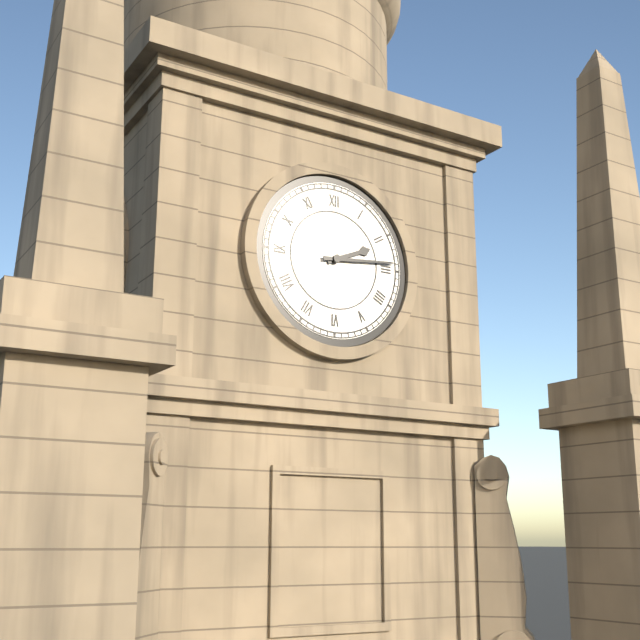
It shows {"hour": 2, "minute": 14}
